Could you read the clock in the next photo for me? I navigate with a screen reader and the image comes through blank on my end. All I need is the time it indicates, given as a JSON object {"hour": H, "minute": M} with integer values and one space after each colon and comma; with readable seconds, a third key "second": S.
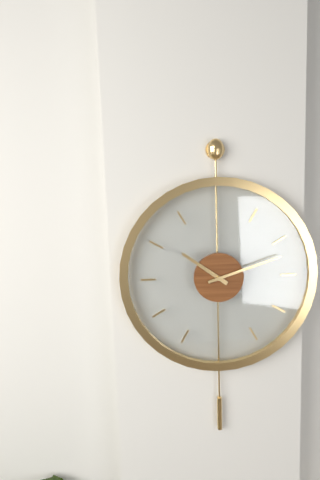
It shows {"hour": 10, "minute": 12}
